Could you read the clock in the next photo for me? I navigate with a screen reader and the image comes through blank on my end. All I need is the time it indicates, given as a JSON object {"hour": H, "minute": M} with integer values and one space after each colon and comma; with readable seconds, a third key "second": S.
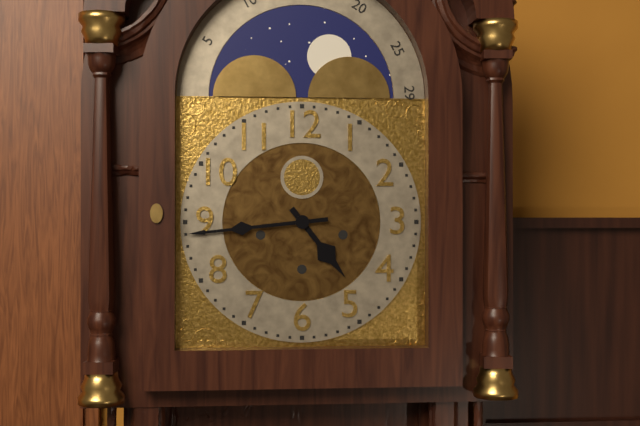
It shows {"hour": 4, "minute": 44}
